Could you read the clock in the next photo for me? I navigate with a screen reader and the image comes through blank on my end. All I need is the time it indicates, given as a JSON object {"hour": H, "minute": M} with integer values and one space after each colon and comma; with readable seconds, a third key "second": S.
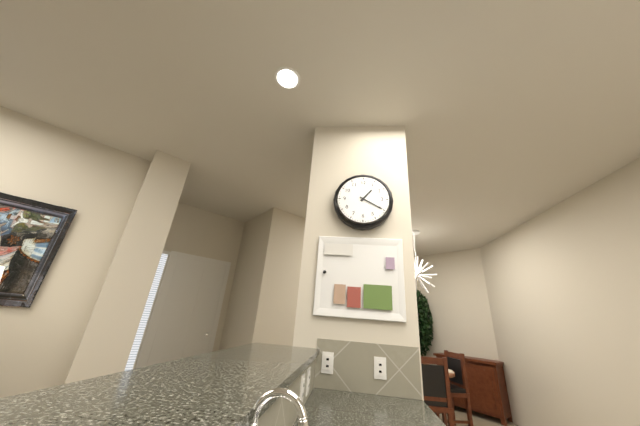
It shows {"hour": 1, "minute": 20}
